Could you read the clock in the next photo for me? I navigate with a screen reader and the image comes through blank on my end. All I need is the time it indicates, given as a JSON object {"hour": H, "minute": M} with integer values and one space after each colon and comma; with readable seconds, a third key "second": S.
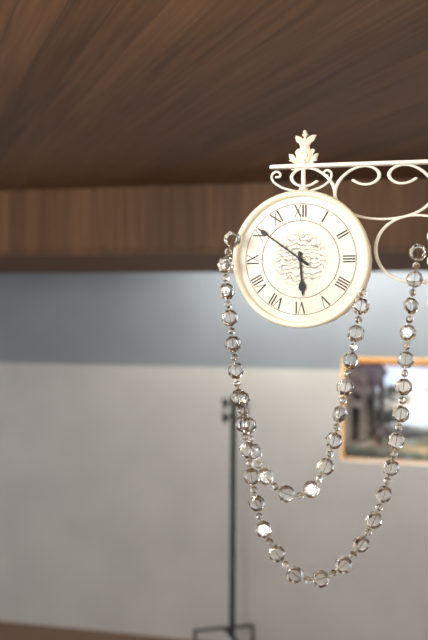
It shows {"hour": 5, "minute": 51}
